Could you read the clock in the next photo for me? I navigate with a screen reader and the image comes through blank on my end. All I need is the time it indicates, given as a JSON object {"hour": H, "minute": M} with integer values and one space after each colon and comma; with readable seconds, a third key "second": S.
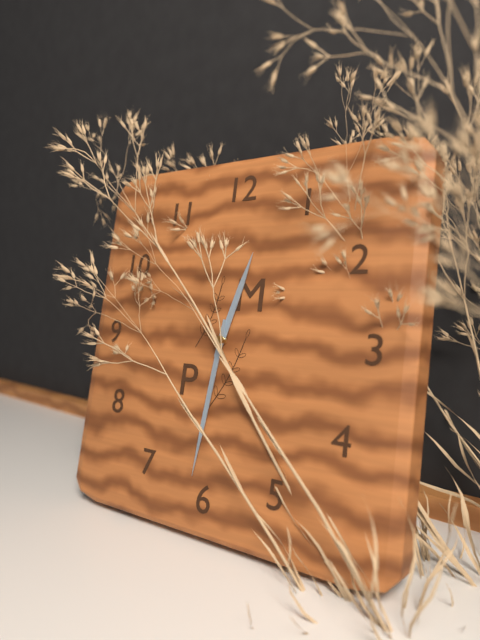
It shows {"hour": 12, "minute": 31}
